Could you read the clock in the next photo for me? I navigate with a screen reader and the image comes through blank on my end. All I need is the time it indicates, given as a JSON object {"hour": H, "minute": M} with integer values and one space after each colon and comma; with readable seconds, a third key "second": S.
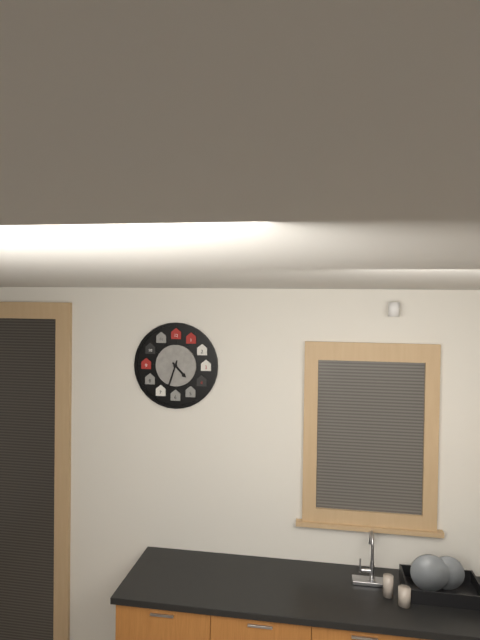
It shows {"hour": 4, "minute": 33}
